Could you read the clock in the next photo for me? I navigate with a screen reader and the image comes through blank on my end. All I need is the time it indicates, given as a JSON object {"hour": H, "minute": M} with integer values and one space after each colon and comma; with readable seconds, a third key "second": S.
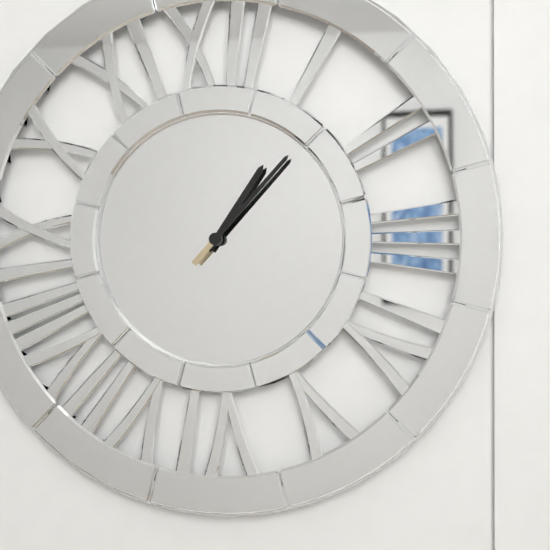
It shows {"hour": 1, "minute": 7}
